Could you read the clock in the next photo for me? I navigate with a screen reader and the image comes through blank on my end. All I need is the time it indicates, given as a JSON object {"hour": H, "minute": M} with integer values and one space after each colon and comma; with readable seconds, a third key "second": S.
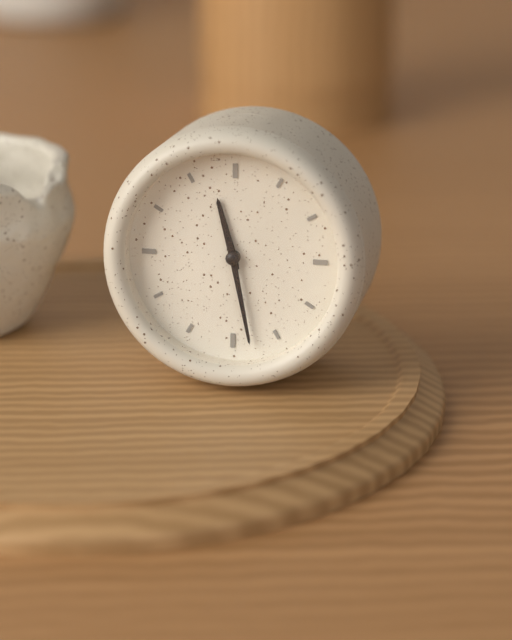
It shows {"hour": 11, "minute": 28}
